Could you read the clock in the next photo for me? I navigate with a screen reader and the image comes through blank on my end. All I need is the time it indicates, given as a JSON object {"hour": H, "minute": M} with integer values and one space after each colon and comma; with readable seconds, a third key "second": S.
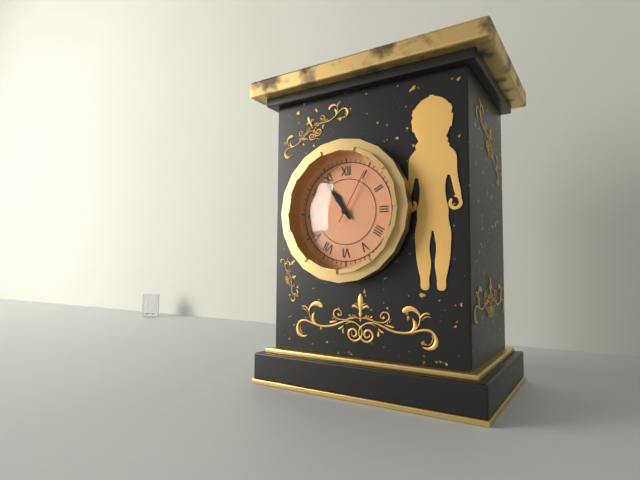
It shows {"hour": 10, "minute": 54, "second": 5}
